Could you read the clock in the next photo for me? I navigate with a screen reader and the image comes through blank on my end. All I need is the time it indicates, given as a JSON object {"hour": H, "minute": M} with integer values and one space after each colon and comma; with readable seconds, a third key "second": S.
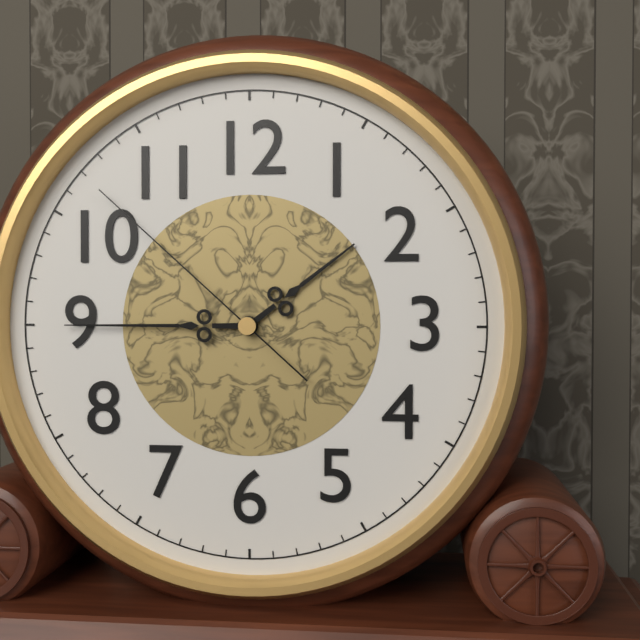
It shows {"hour": 1, "minute": 45, "second": 52}
